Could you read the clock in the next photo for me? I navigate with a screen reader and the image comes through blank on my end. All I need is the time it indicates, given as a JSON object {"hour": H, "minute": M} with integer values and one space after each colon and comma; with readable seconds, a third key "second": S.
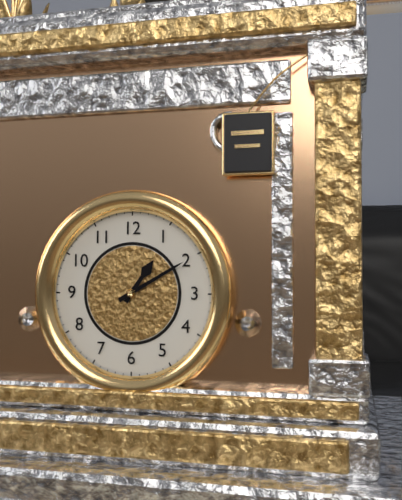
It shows {"hour": 1, "minute": 10}
